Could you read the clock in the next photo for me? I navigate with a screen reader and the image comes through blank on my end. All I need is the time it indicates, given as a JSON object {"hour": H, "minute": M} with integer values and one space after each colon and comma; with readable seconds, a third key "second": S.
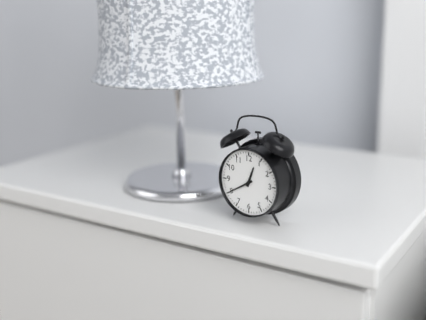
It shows {"hour": 12, "minute": 40}
